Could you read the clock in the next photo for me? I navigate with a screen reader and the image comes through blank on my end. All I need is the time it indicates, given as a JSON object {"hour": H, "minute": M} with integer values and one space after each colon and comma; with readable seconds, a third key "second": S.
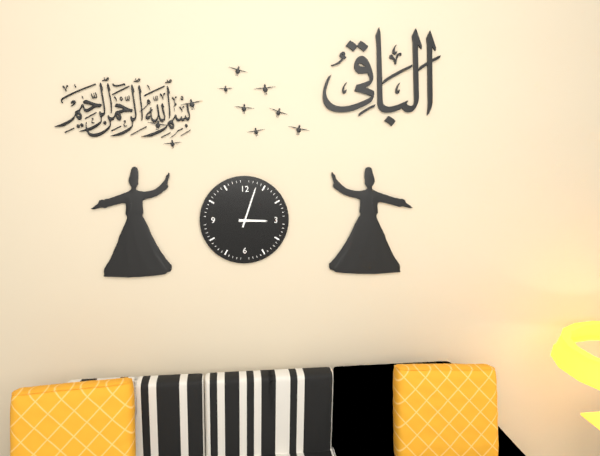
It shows {"hour": 3, "minute": 3}
